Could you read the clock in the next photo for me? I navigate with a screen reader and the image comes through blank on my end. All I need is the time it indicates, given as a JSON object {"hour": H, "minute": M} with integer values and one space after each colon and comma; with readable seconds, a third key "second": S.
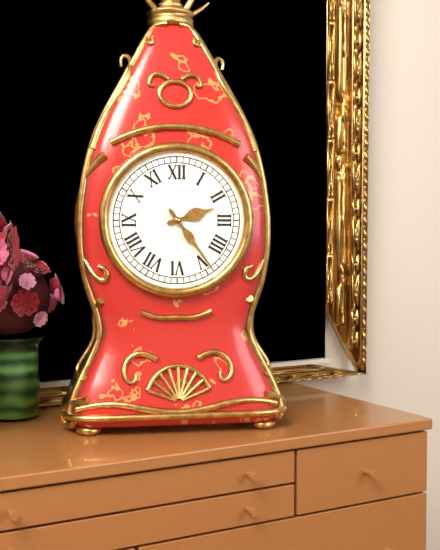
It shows {"hour": 2, "minute": 24}
